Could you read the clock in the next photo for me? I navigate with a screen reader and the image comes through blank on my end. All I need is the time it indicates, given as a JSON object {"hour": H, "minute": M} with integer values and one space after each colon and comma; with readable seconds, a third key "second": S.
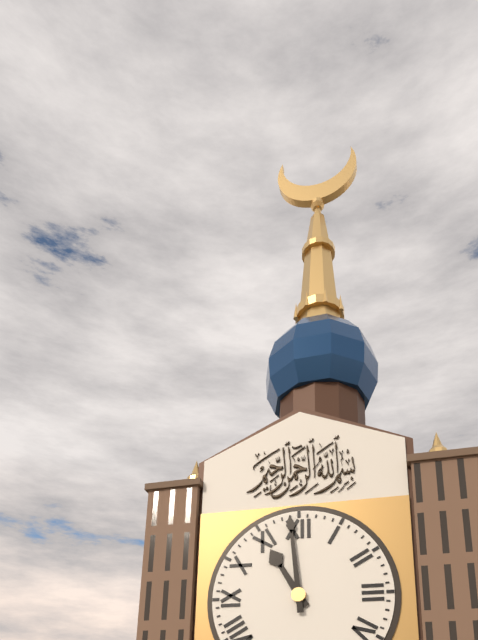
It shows {"hour": 10, "minute": 59}
